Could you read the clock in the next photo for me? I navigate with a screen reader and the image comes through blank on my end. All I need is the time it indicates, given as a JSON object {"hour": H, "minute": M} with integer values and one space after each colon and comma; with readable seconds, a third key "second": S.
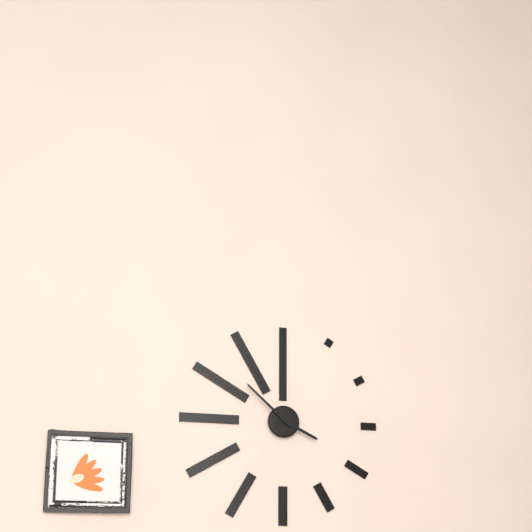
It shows {"hour": 3, "minute": 52}
